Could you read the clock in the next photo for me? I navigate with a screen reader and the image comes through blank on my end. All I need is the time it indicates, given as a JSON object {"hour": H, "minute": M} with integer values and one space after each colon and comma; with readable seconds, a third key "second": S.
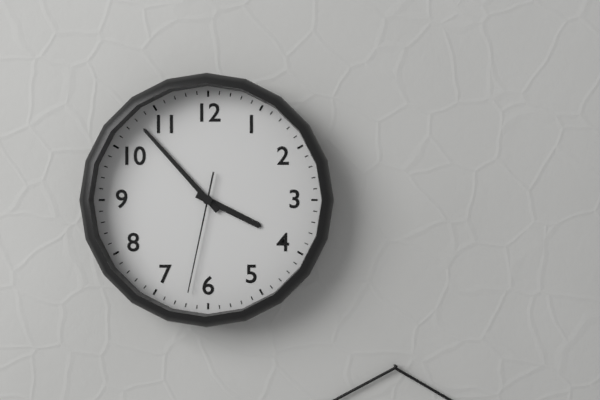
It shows {"hour": 3, "minute": 53, "second": 32}
